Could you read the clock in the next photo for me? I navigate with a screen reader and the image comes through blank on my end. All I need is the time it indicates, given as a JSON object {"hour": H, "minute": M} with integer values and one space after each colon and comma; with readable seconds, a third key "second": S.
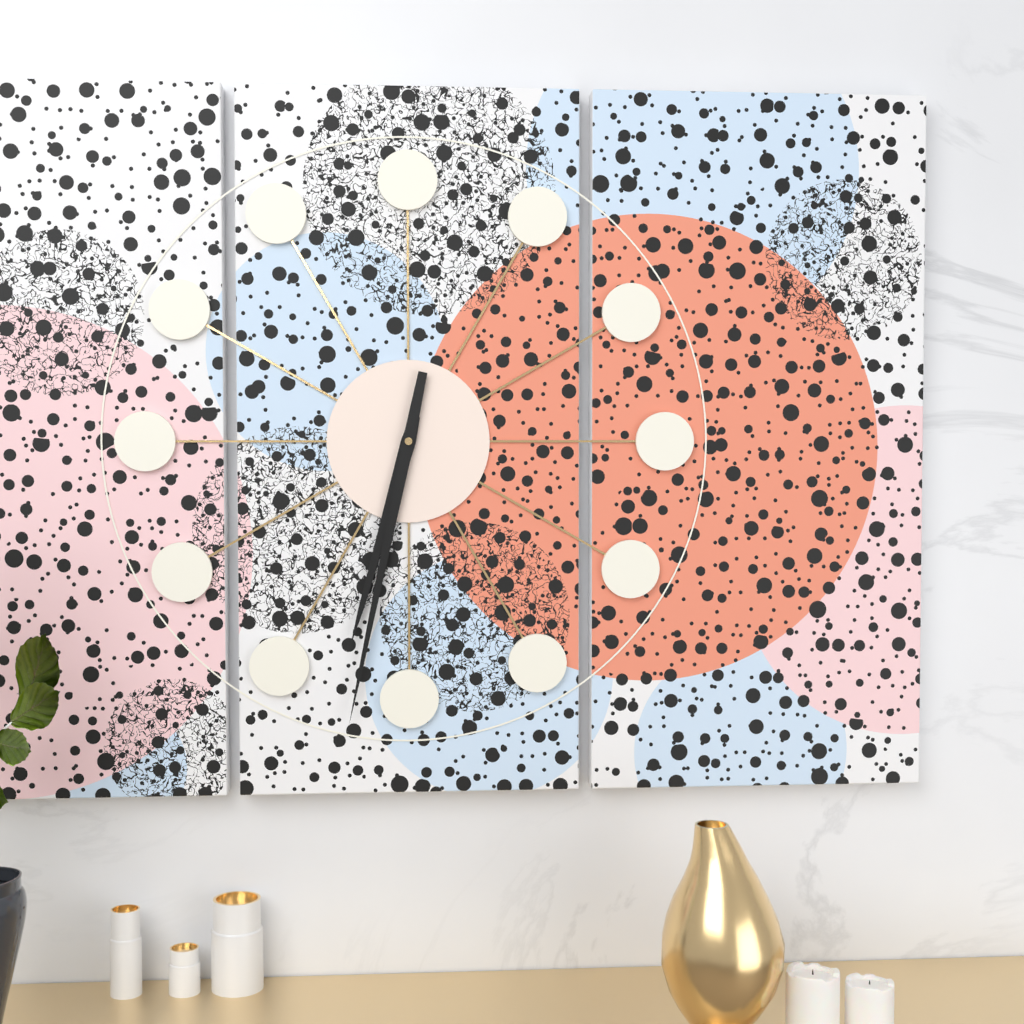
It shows {"hour": 6, "minute": 32}
